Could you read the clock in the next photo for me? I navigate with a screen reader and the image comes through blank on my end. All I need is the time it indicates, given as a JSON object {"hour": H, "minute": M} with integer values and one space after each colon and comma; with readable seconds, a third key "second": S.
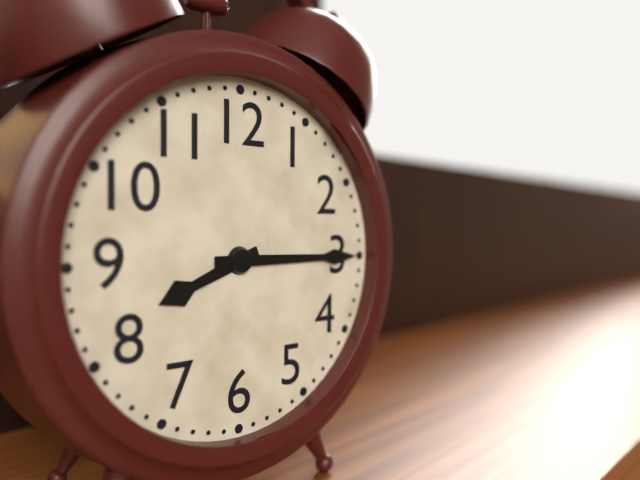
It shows {"hour": 8, "minute": 15}
